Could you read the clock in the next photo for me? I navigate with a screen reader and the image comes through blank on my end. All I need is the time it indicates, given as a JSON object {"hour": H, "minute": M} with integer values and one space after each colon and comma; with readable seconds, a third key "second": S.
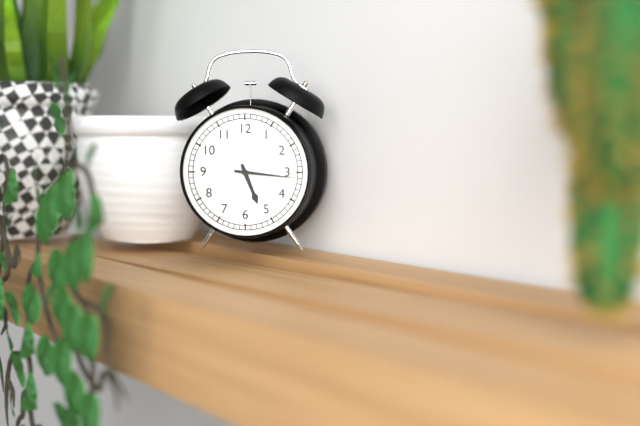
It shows {"hour": 5, "minute": 16}
